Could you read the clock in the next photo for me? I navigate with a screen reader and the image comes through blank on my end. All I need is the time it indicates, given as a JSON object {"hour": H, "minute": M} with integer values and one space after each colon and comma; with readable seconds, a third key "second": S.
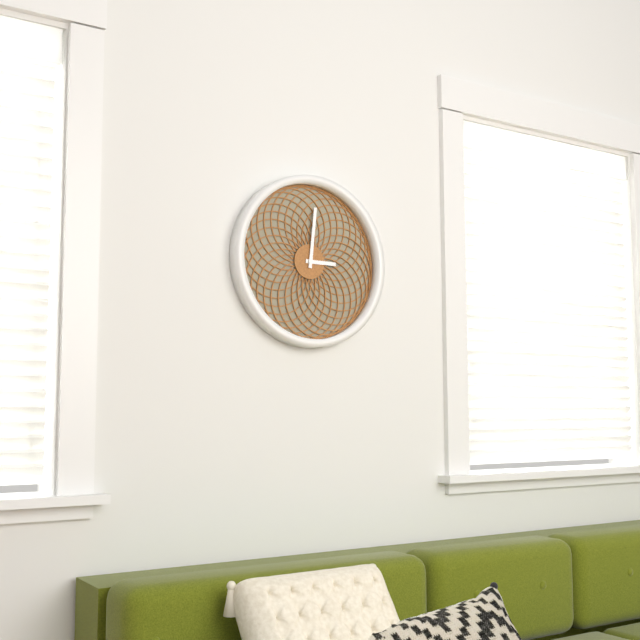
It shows {"hour": 3, "minute": 1}
